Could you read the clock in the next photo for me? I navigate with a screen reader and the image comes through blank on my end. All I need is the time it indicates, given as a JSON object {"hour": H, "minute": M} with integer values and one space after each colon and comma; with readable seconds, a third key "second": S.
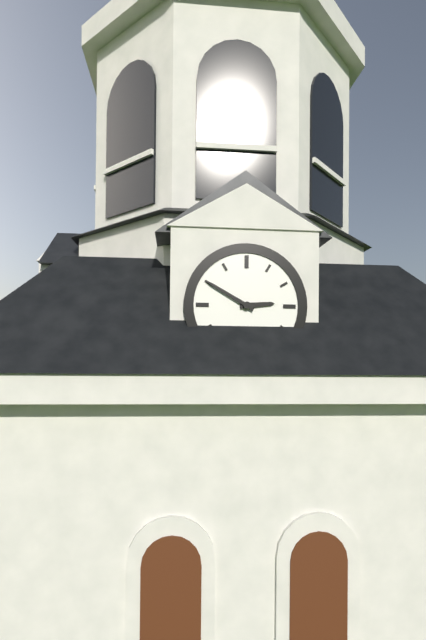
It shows {"hour": 2, "minute": 50}
